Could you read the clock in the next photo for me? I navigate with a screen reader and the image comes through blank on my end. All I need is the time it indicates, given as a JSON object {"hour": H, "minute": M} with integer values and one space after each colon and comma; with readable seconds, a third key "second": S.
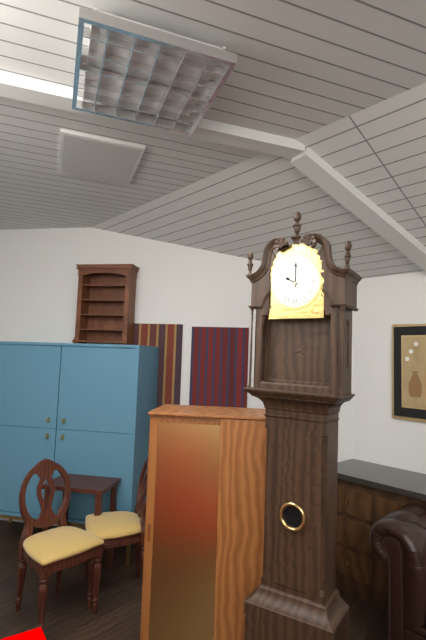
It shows {"hour": 10, "minute": 0}
